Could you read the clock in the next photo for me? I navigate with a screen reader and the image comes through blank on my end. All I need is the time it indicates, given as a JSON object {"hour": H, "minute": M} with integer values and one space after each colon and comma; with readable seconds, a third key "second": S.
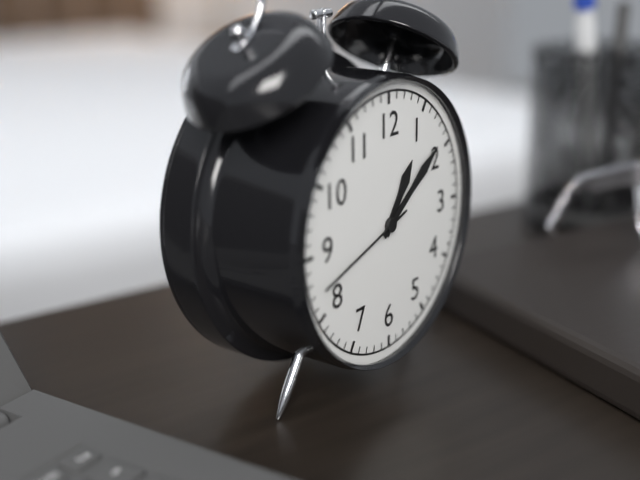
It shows {"hour": 1, "minute": 9, "second": 42}
